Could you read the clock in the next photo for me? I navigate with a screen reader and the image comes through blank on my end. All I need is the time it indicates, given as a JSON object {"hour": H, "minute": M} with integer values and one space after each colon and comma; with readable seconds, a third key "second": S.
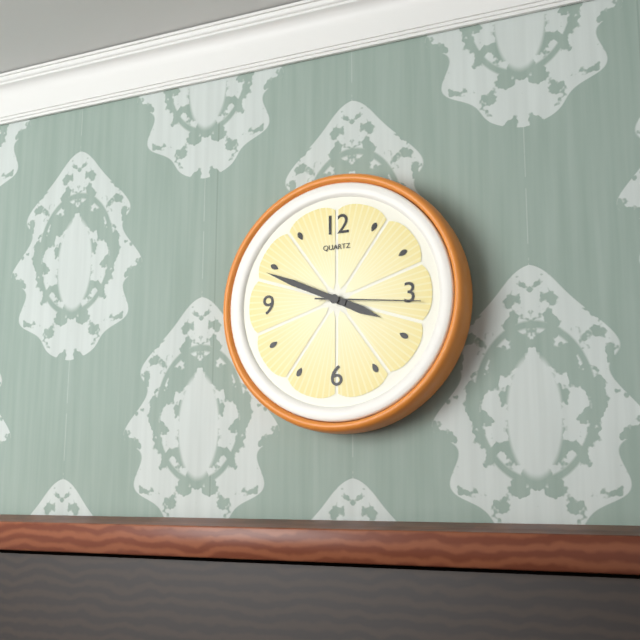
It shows {"hour": 3, "minute": 49, "second": 16}
